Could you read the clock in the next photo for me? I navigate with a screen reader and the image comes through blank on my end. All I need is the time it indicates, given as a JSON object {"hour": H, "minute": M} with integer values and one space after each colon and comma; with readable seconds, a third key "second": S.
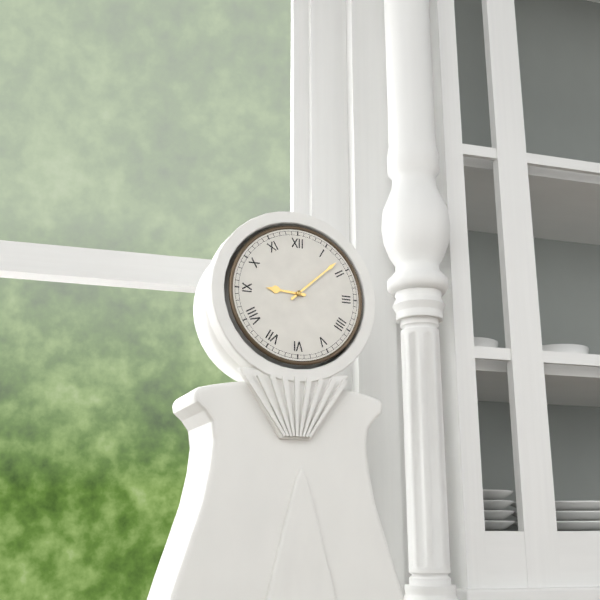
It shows {"hour": 9, "minute": 8}
